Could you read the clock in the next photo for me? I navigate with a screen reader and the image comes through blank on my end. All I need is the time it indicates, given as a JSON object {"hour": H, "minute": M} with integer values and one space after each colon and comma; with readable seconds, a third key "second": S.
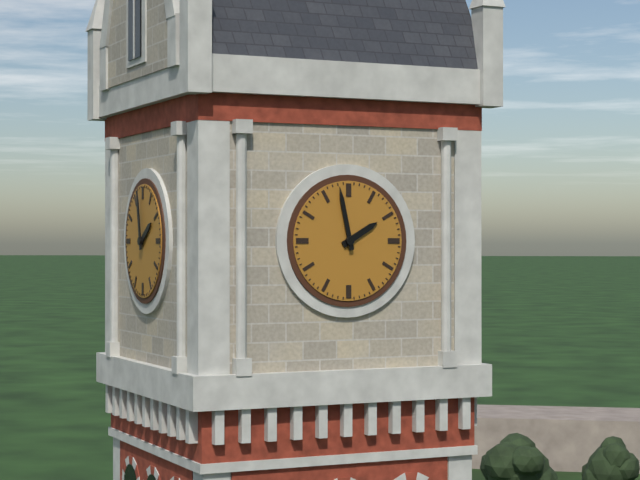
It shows {"hour": 1, "minute": 58}
